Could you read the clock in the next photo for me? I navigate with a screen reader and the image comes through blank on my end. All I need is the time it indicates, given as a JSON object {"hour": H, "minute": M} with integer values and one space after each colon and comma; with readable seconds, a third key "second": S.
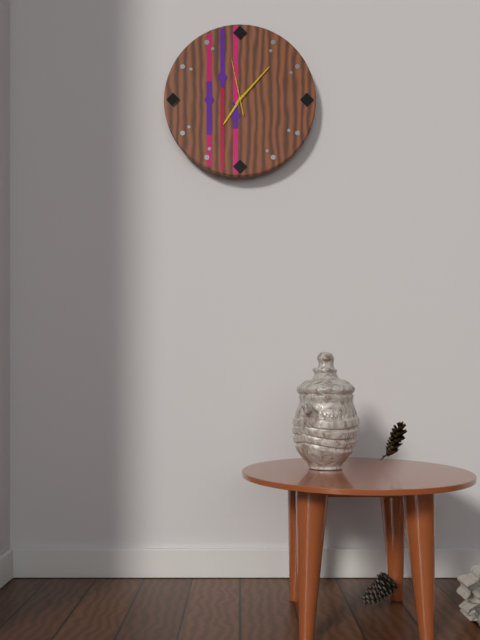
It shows {"hour": 7, "minute": 7, "second": 58}
